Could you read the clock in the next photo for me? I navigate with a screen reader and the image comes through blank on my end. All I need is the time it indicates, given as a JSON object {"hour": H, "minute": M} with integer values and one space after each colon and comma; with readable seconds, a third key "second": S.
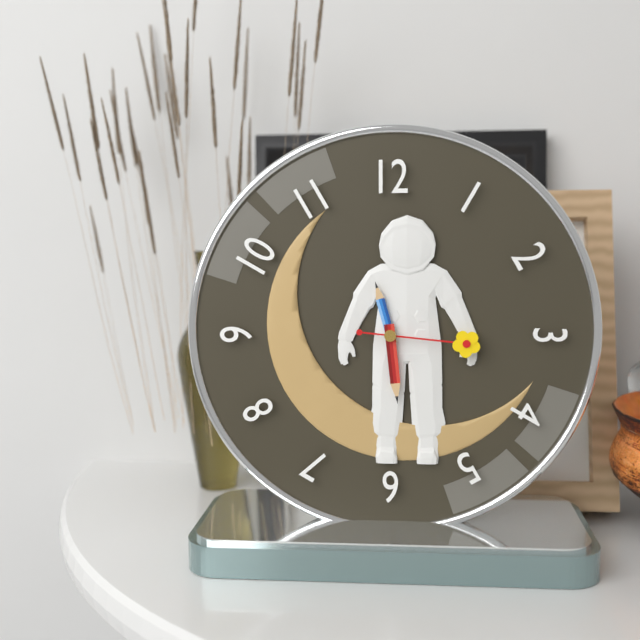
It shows {"hour": 11, "minute": 29, "second": 16}
